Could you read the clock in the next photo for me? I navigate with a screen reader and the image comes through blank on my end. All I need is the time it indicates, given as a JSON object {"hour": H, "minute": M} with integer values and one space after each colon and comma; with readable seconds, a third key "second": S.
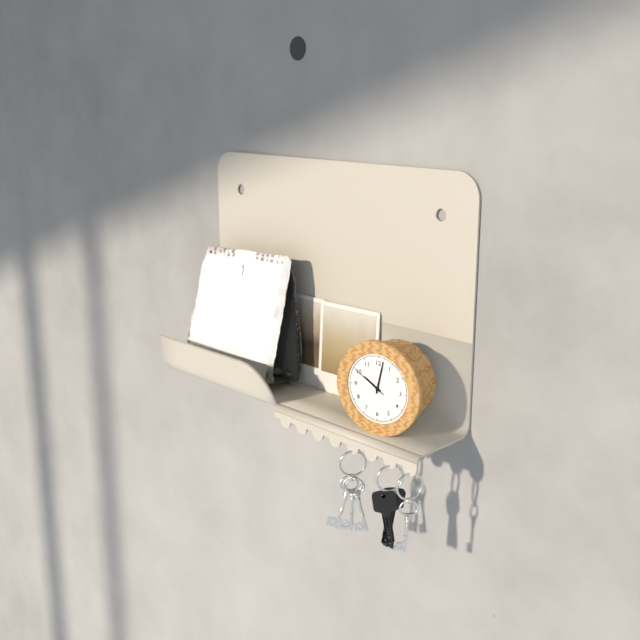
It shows {"hour": 10, "minute": 2}
